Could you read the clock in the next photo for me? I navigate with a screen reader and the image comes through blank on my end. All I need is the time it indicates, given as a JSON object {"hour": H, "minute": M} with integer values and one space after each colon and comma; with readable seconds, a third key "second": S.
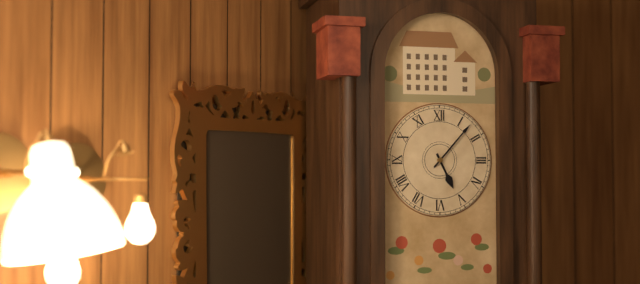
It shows {"hour": 5, "minute": 7}
